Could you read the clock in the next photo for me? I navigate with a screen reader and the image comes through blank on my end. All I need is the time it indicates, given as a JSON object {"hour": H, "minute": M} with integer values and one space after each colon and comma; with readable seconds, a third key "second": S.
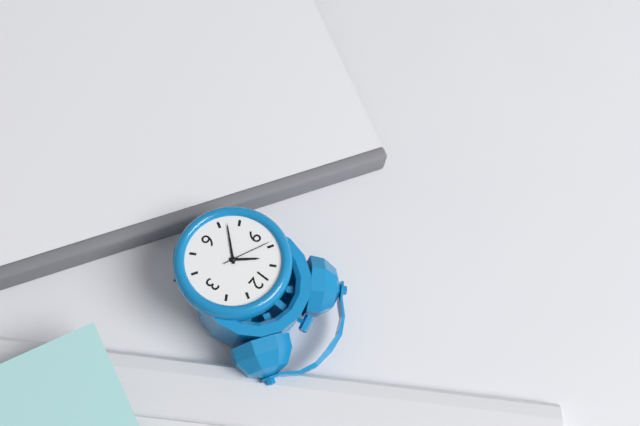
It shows {"hour": 10, "minute": 37, "second": 49}
